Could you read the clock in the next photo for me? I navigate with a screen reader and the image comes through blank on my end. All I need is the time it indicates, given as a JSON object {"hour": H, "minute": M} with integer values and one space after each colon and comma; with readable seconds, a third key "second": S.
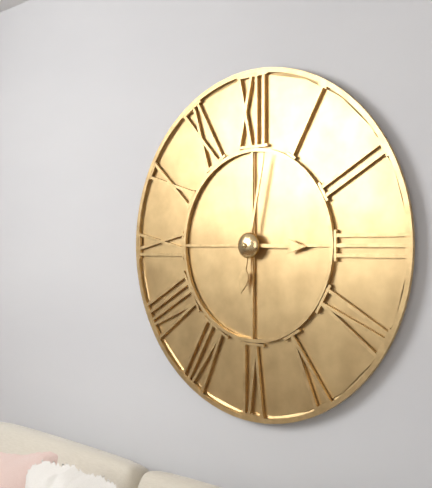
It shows {"hour": 3, "minute": 2}
